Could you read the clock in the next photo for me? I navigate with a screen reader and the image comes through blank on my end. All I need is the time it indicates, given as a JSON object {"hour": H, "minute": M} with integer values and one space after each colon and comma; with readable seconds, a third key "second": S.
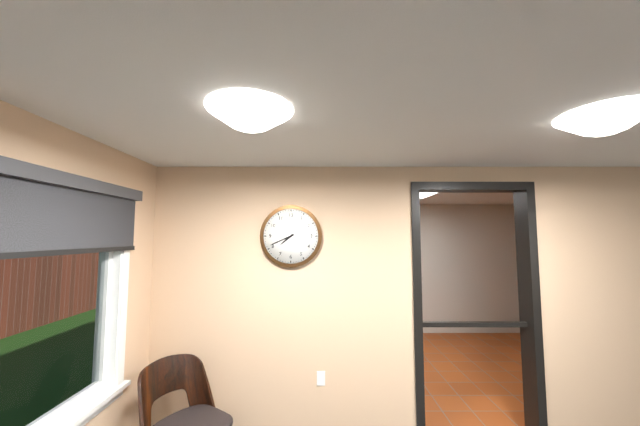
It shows {"hour": 7, "minute": 41}
